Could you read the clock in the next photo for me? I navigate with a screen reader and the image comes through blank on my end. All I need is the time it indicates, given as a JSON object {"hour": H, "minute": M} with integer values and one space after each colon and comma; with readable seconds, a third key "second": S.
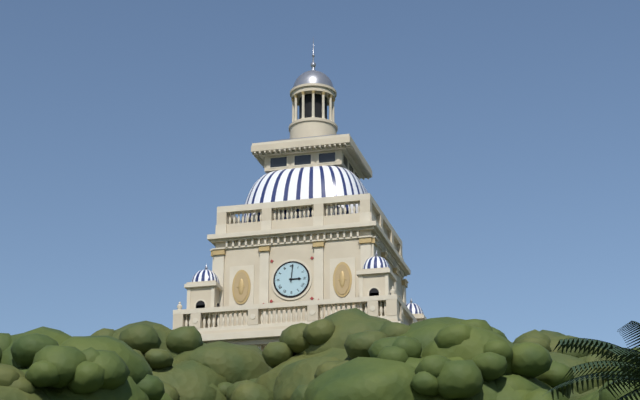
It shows {"hour": 3, "minute": 1}
